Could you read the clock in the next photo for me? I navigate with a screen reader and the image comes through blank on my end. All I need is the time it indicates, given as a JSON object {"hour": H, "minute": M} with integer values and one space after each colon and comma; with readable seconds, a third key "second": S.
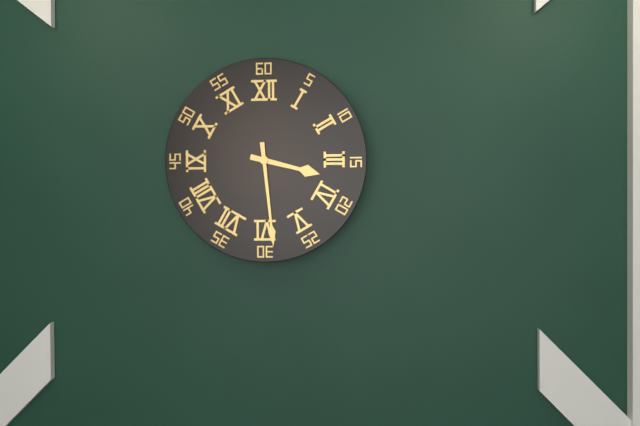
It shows {"hour": 3, "minute": 29}
